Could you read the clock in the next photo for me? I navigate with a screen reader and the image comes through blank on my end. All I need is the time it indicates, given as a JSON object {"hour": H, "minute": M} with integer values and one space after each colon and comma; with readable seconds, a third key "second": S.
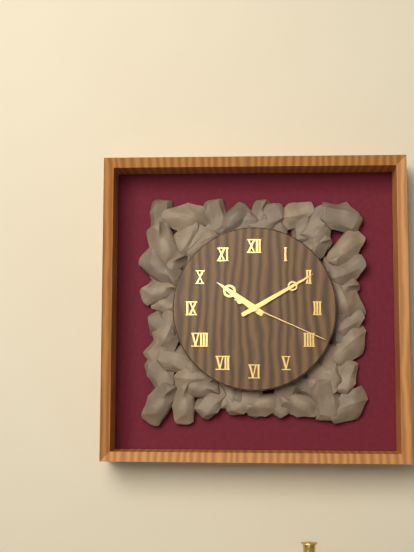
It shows {"hour": 10, "minute": 10, "second": 19}
